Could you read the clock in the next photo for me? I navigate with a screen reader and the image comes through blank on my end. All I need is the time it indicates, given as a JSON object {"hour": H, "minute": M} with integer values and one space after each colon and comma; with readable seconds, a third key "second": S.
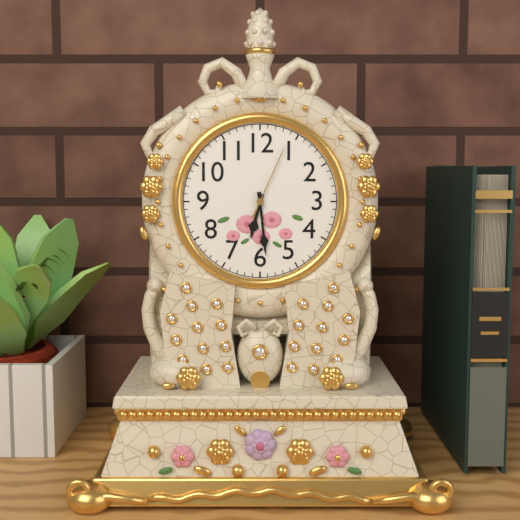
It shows {"hour": 6, "minute": 29, "second": 4}
